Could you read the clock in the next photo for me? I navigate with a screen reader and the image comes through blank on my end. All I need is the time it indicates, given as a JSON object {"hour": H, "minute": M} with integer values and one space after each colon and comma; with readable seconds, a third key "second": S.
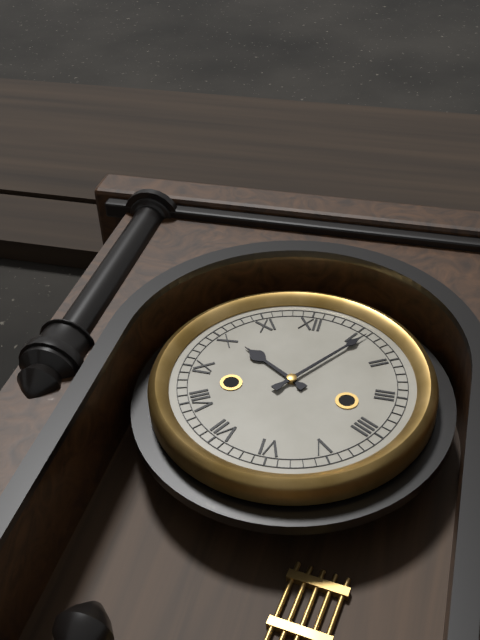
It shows {"hour": 10, "minute": 6}
